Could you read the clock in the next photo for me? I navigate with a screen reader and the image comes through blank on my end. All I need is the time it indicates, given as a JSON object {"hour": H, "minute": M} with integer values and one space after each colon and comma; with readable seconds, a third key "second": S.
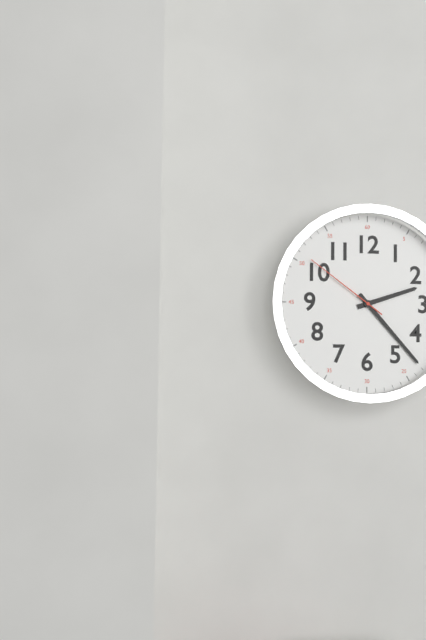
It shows {"hour": 2, "minute": 23, "second": 51}
